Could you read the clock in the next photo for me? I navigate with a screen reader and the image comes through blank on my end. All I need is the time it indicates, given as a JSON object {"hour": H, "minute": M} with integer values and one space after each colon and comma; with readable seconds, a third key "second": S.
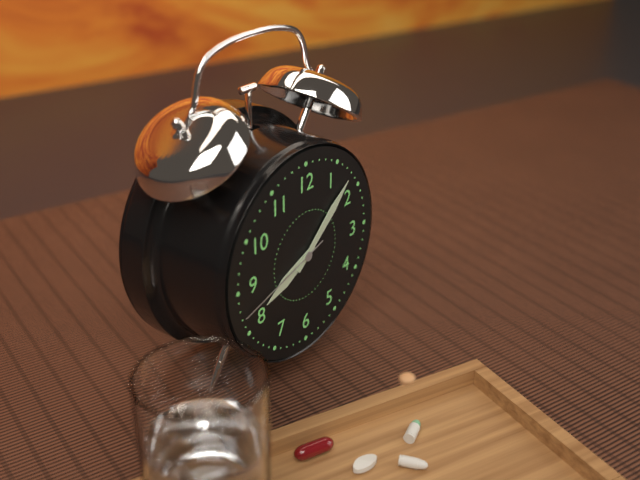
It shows {"hour": 8, "minute": 8, "second": 42}
